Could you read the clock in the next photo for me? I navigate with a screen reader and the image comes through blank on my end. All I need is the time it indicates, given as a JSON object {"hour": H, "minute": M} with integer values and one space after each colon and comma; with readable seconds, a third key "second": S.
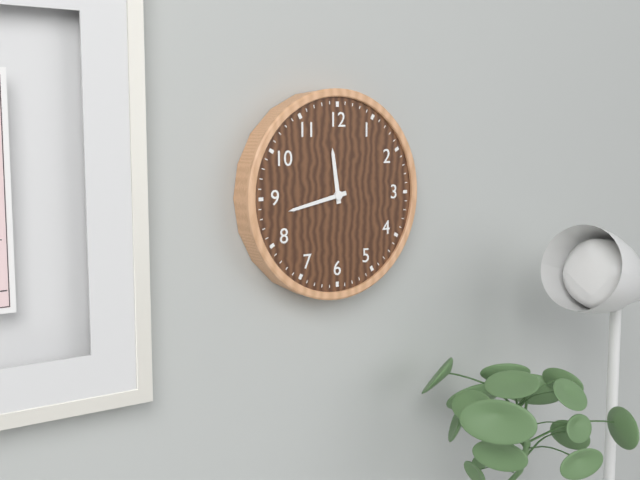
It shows {"hour": 11, "minute": 43}
